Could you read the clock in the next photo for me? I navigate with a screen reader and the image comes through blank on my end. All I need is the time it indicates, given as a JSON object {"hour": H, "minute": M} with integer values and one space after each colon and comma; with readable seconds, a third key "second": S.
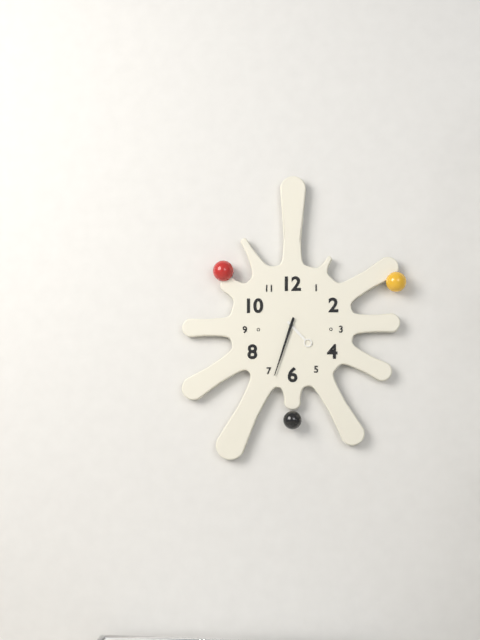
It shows {"hour": 4, "minute": 33}
